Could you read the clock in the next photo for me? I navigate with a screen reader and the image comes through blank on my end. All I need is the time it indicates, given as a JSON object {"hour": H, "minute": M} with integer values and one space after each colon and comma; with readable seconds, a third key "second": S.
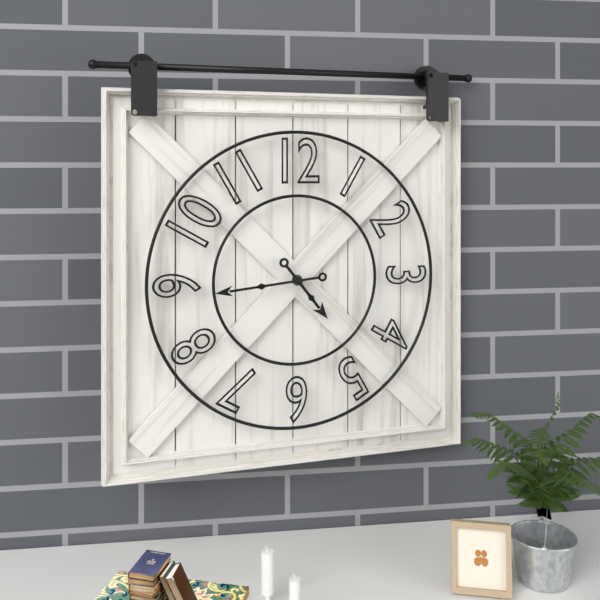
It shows {"hour": 4, "minute": 44}
